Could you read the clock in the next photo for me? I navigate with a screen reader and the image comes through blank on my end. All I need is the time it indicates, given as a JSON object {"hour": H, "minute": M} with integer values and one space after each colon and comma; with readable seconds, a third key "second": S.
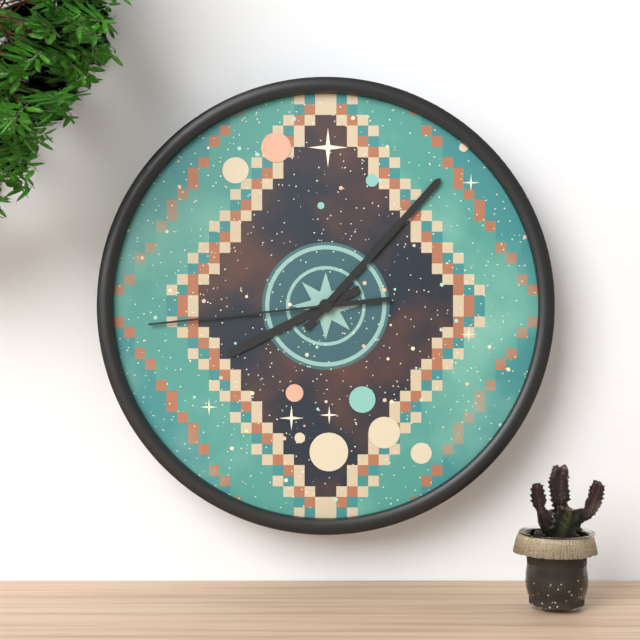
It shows {"hour": 8, "minute": 7, "second": 44}
